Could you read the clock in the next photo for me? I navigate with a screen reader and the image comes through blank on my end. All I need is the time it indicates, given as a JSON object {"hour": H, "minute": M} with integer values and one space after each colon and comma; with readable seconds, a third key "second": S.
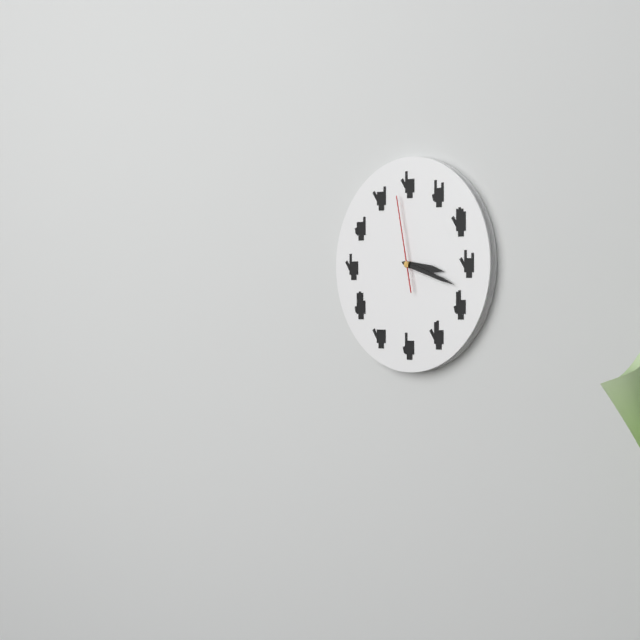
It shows {"hour": 3, "minute": 18, "second": 58}
